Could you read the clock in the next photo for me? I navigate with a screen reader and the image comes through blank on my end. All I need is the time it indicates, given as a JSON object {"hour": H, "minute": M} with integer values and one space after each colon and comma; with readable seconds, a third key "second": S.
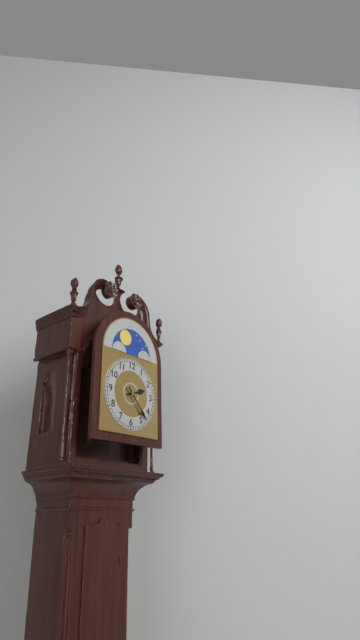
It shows {"hour": 2, "minute": 23}
